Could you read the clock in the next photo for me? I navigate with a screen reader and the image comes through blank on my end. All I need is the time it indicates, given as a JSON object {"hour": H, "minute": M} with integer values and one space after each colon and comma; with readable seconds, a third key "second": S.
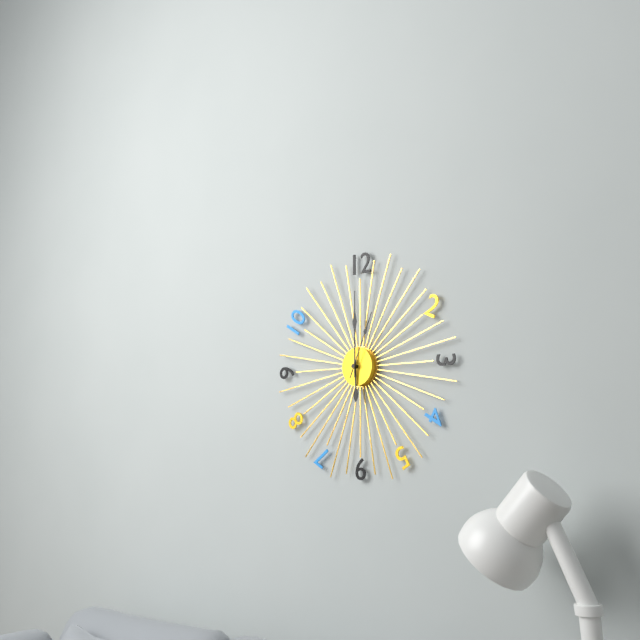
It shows {"hour": 6, "minute": 0, "second": 4}
